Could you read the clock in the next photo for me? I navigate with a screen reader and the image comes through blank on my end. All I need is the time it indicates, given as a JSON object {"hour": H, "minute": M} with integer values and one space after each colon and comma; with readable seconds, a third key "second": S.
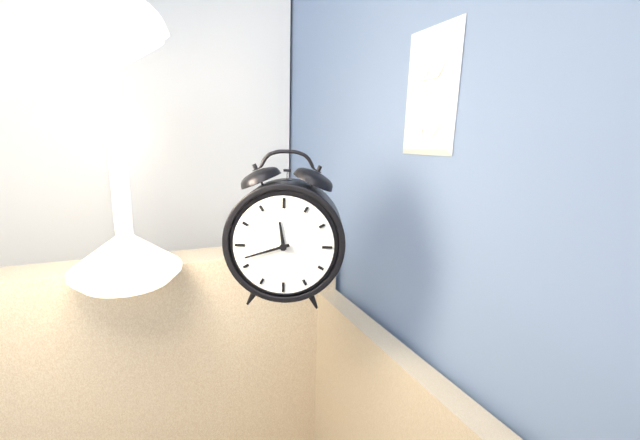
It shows {"hour": 11, "minute": 42}
